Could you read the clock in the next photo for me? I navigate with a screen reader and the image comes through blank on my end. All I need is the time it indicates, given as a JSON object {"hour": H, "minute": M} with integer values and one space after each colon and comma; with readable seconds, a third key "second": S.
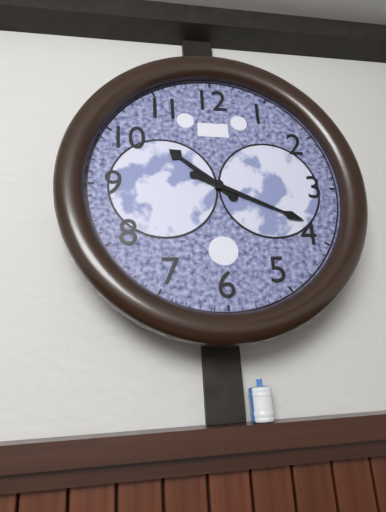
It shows {"hour": 10, "minute": 19}
